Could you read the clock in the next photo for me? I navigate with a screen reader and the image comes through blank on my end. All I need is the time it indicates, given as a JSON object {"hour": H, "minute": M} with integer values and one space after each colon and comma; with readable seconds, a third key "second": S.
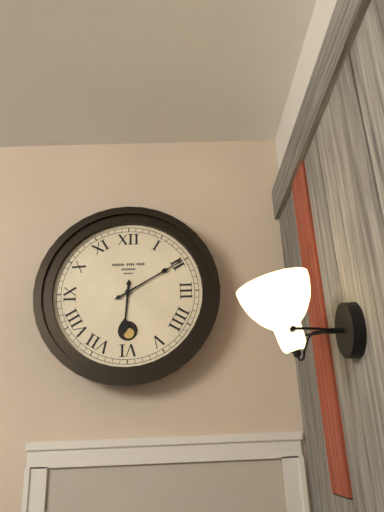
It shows {"hour": 6, "minute": 10}
